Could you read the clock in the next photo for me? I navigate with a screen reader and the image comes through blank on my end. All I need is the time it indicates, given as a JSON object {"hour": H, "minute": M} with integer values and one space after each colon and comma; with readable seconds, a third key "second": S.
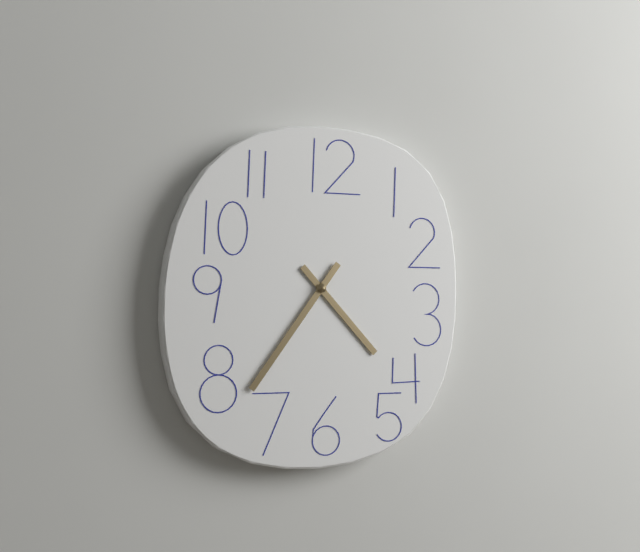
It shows {"hour": 4, "minute": 36}
